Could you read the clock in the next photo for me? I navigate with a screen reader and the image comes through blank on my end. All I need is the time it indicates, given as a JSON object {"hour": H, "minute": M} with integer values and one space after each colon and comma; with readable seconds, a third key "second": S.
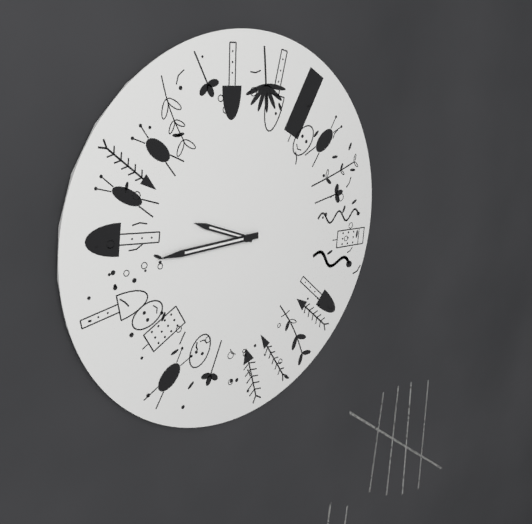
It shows {"hour": 9, "minute": 45}
